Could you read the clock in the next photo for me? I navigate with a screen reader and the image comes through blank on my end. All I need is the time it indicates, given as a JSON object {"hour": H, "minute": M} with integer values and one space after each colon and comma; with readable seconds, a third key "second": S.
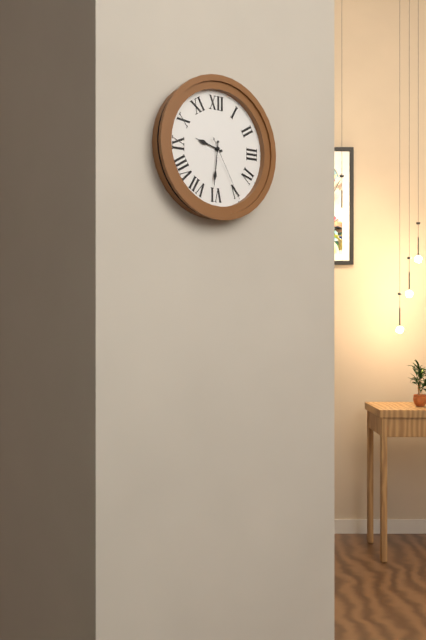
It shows {"hour": 9, "minute": 31, "second": 25}
